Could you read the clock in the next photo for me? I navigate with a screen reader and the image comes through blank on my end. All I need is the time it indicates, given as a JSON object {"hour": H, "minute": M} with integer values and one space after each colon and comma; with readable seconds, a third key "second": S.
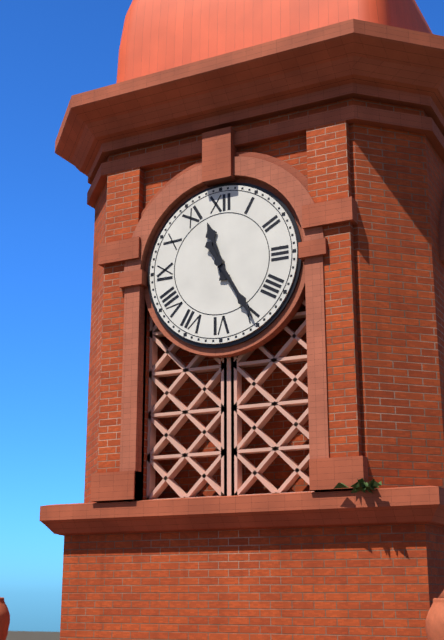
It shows {"hour": 11, "minute": 25}
